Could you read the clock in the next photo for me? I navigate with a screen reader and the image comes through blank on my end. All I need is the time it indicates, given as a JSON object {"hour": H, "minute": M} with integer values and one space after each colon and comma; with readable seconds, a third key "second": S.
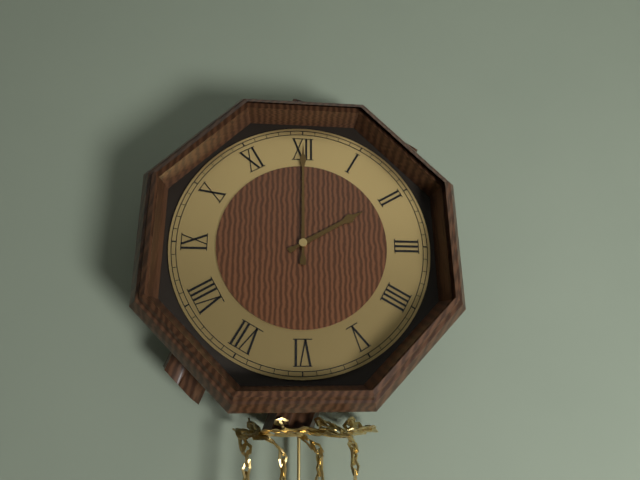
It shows {"hour": 2, "minute": 0}
